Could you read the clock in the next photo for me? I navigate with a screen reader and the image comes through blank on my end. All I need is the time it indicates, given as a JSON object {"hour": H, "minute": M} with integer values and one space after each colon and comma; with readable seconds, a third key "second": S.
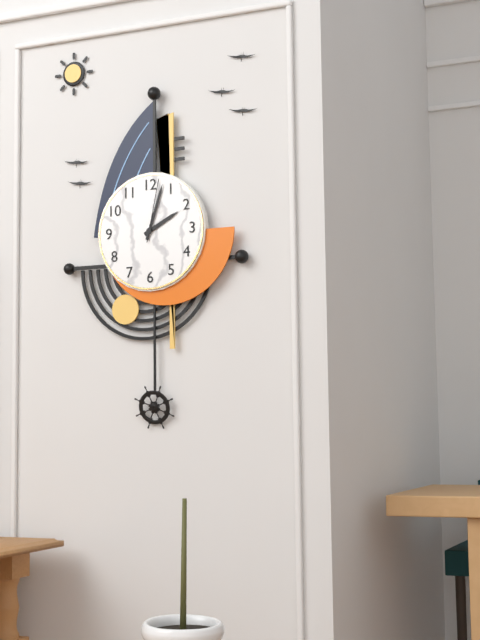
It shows {"hour": 2, "minute": 3, "second": 2}
